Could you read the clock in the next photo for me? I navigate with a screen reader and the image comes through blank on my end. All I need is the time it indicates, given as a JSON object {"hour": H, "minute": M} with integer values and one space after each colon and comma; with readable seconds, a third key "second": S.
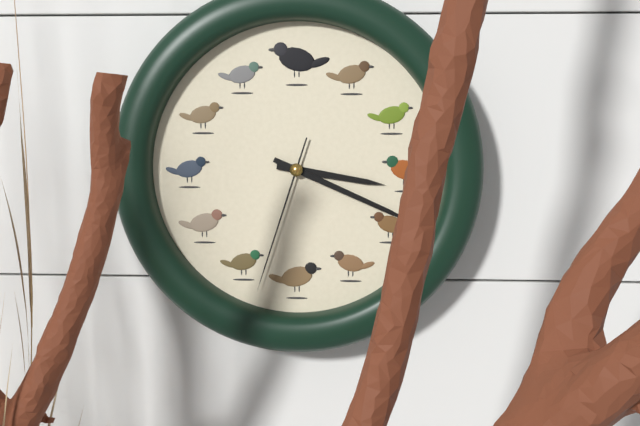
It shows {"hour": 3, "minute": 19, "second": 33}
